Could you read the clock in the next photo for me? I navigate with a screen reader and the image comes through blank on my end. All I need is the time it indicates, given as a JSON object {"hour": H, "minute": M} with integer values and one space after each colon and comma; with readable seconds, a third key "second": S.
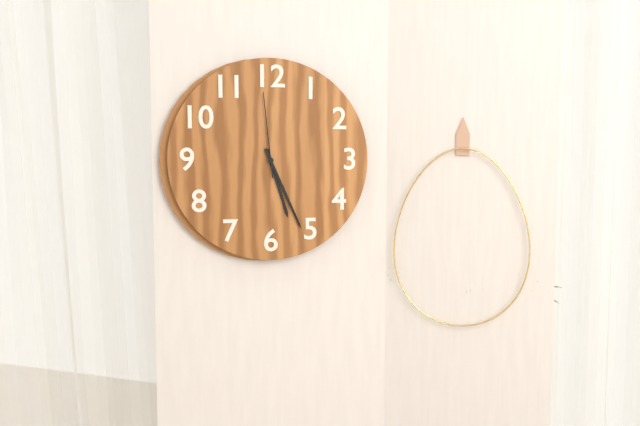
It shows {"hour": 5, "minute": 26, "second": 59}
